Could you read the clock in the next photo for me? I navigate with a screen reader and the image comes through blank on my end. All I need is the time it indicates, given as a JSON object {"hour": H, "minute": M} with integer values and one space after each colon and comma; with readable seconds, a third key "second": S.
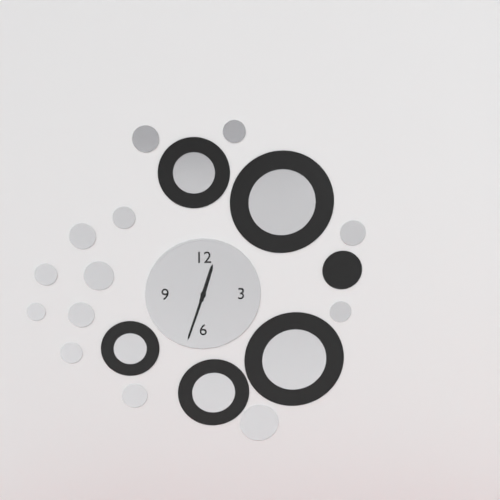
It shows {"hour": 12, "minute": 33}
